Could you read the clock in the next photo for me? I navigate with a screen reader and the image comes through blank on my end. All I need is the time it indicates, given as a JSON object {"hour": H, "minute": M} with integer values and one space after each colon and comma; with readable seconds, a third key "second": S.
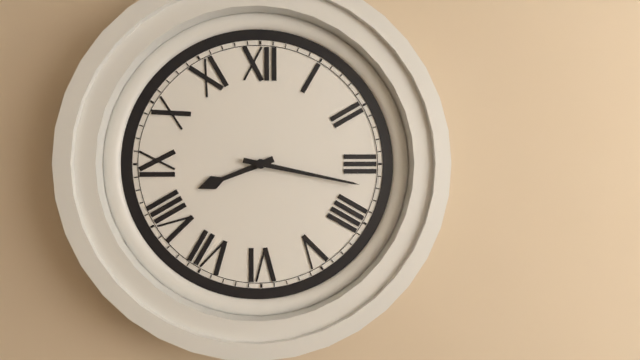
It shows {"hour": 8, "minute": 17}
